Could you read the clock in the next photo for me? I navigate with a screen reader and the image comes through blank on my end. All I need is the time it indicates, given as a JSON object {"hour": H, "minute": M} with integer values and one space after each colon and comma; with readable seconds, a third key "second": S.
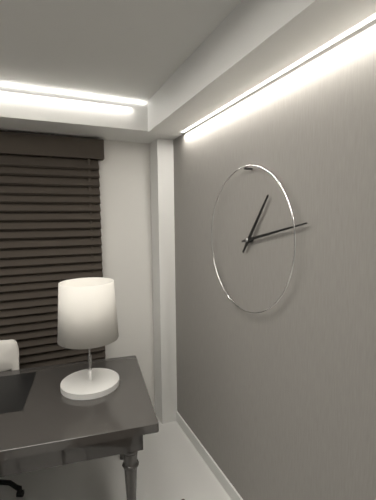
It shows {"hour": 1, "minute": 13}
